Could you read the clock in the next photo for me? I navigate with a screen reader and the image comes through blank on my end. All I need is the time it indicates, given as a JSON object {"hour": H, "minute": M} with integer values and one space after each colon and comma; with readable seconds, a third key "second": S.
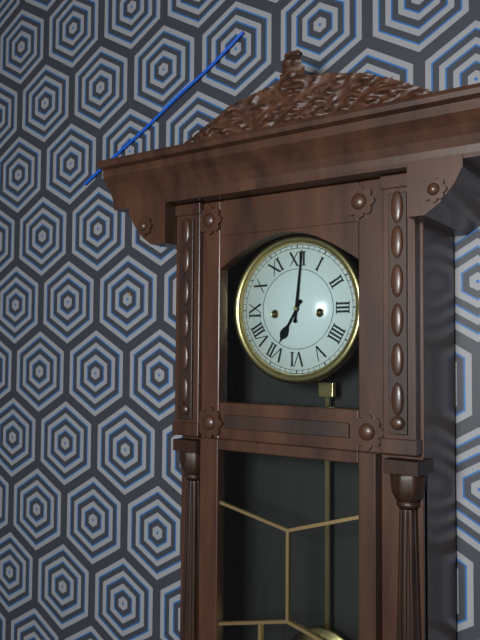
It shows {"hour": 7, "minute": 1}
